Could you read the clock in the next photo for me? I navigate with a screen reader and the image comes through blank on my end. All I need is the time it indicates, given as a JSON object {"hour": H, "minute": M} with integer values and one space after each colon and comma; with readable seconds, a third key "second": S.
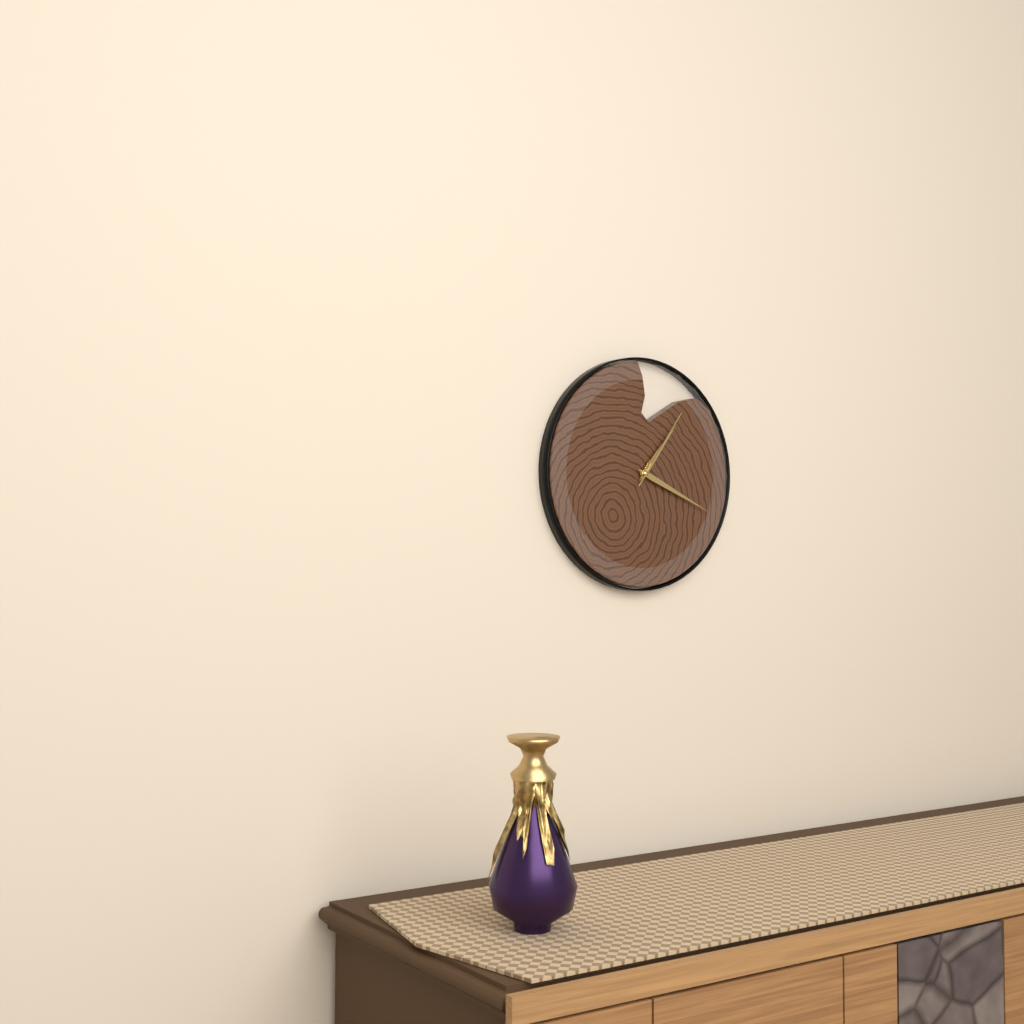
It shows {"hour": 1, "minute": 19, "second": 6}
